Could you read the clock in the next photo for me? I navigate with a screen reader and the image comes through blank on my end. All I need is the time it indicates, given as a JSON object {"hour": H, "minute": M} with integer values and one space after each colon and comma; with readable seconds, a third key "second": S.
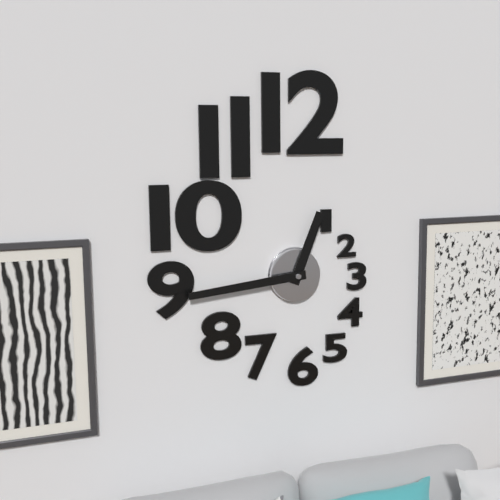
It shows {"hour": 12, "minute": 44}
